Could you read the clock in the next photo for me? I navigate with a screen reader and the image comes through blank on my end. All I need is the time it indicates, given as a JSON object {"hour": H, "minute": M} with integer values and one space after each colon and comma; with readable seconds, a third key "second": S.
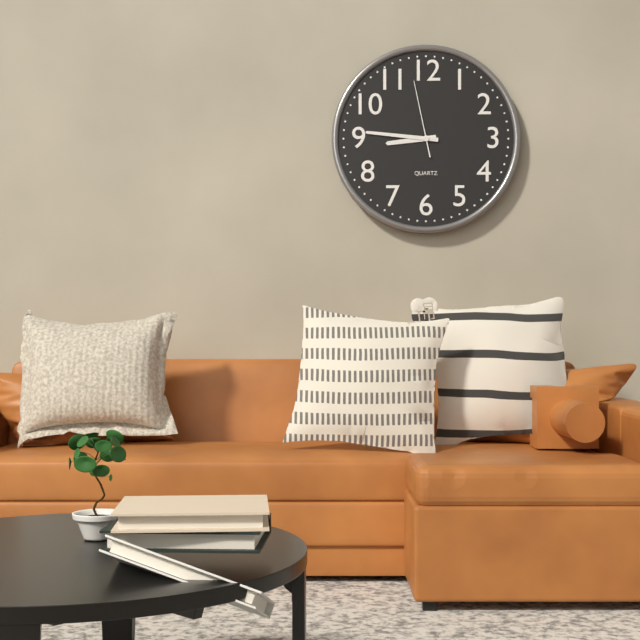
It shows {"hour": 8, "minute": 46, "second": 58}
